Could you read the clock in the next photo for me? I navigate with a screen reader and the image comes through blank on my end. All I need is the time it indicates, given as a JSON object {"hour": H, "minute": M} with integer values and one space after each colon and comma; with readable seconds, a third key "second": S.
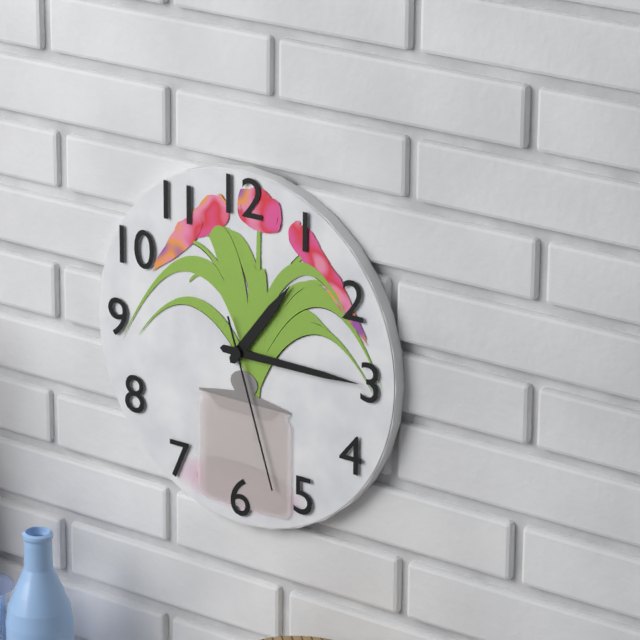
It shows {"hour": 1, "minute": 15, "second": 27}
